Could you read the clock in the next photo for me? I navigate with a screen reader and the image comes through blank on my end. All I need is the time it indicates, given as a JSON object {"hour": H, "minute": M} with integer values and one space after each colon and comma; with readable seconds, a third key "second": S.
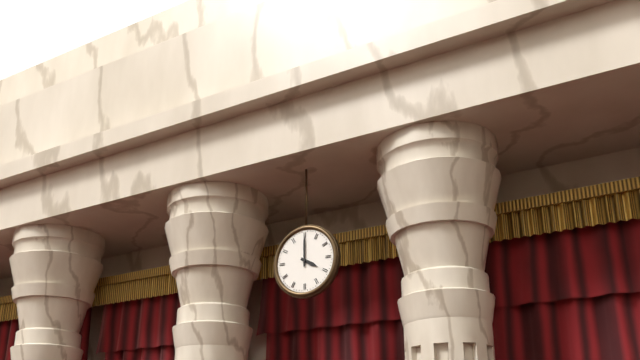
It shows {"hour": 4, "minute": 0}
